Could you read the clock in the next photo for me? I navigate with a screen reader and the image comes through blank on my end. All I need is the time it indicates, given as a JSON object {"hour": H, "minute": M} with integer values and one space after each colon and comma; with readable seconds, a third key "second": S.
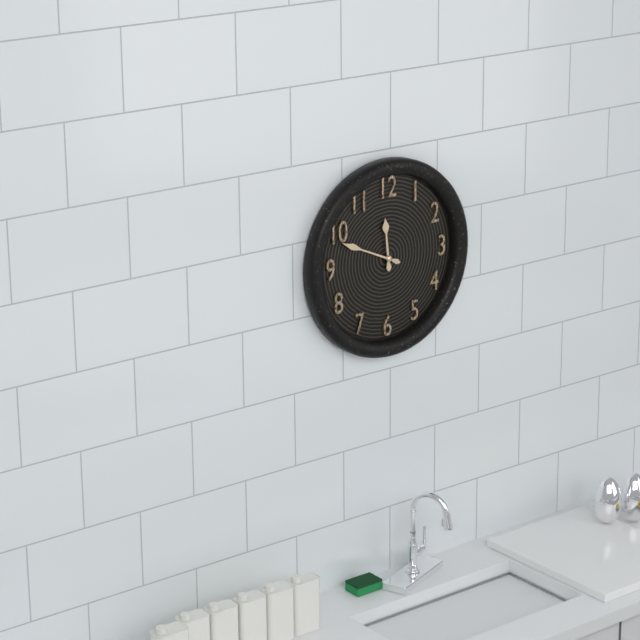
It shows {"hour": 11, "minute": 49}
